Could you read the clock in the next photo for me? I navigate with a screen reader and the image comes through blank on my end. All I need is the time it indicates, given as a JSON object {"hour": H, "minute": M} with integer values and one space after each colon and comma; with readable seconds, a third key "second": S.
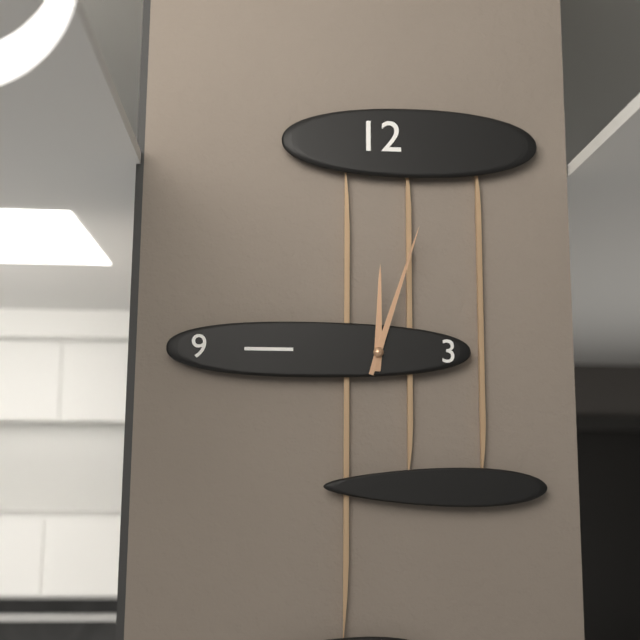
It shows {"hour": 12, "minute": 3}
